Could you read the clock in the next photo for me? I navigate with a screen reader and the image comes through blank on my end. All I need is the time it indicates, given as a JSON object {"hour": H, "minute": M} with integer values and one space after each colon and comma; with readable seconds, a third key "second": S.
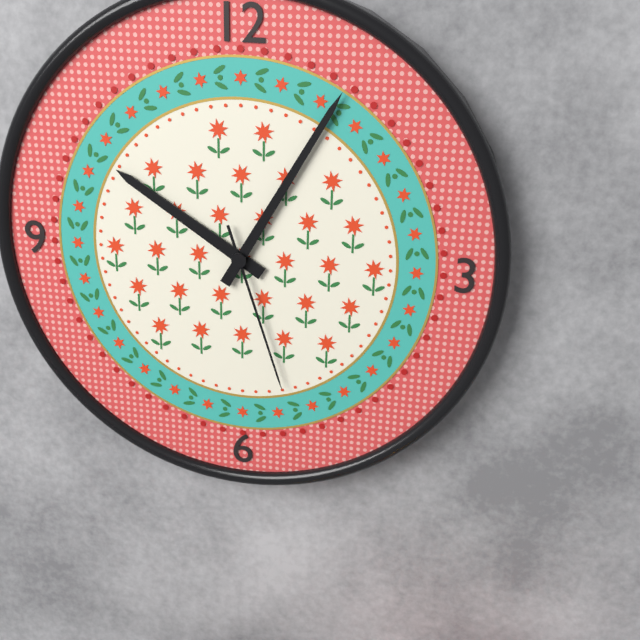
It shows {"hour": 10, "minute": 5, "second": 27}
